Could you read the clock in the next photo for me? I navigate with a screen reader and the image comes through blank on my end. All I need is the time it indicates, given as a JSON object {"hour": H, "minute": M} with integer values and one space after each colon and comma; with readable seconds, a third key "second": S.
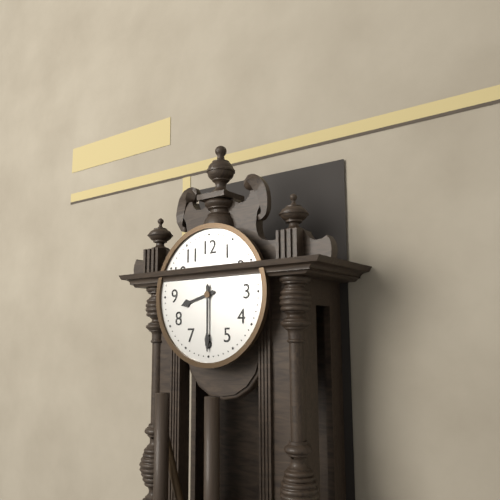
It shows {"hour": 8, "minute": 30}
